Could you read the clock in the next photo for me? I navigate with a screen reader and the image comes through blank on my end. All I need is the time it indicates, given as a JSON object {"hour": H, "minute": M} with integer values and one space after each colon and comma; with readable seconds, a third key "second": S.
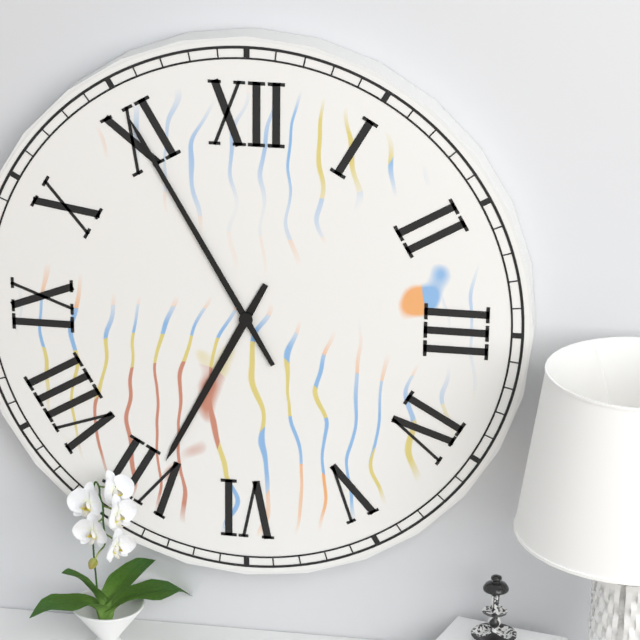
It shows {"hour": 6, "minute": 55}
